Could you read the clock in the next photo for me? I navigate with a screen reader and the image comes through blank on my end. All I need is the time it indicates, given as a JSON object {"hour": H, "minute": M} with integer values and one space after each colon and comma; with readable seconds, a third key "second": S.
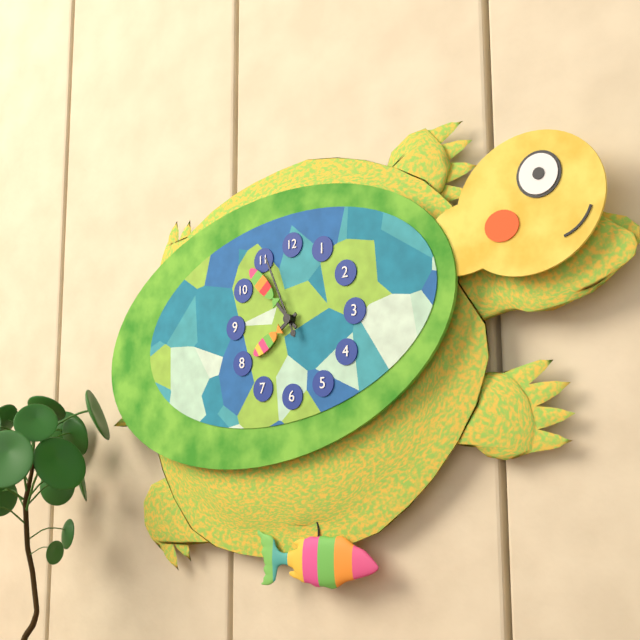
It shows {"hour": 7, "minute": 53, "second": 56}
